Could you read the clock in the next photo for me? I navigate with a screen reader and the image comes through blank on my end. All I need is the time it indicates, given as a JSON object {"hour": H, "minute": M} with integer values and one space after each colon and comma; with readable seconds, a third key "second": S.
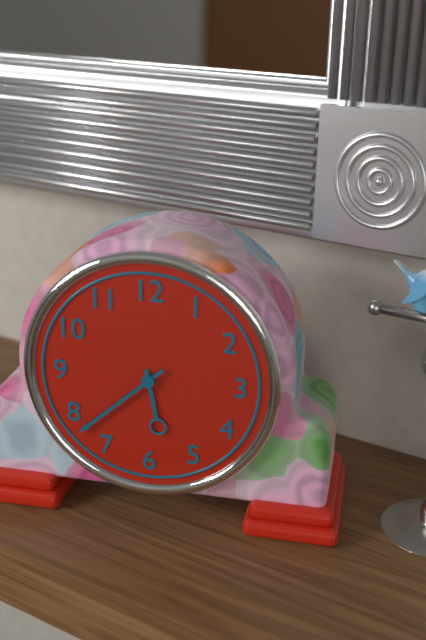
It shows {"hour": 5, "minute": 38}
